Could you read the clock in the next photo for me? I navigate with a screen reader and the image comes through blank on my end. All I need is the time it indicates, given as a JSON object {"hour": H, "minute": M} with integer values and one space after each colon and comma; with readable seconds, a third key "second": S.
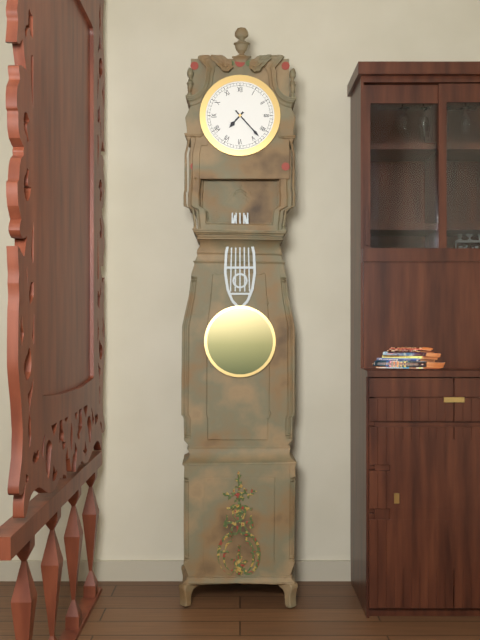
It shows {"hour": 7, "minute": 23}
